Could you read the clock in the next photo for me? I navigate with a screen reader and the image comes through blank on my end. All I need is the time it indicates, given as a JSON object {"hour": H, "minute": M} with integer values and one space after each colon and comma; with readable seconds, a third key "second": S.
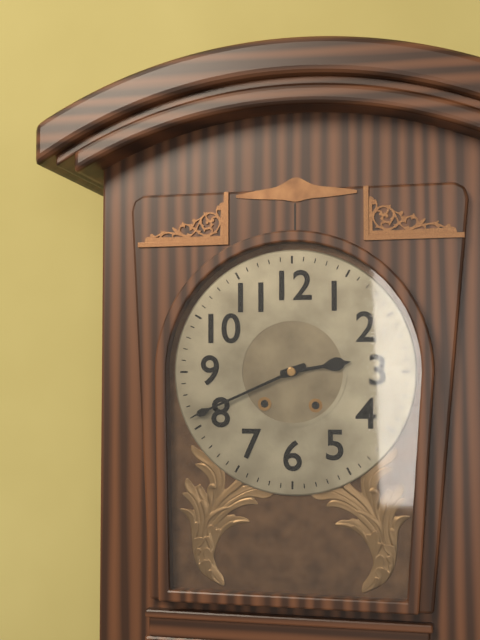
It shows {"hour": 2, "minute": 41}
